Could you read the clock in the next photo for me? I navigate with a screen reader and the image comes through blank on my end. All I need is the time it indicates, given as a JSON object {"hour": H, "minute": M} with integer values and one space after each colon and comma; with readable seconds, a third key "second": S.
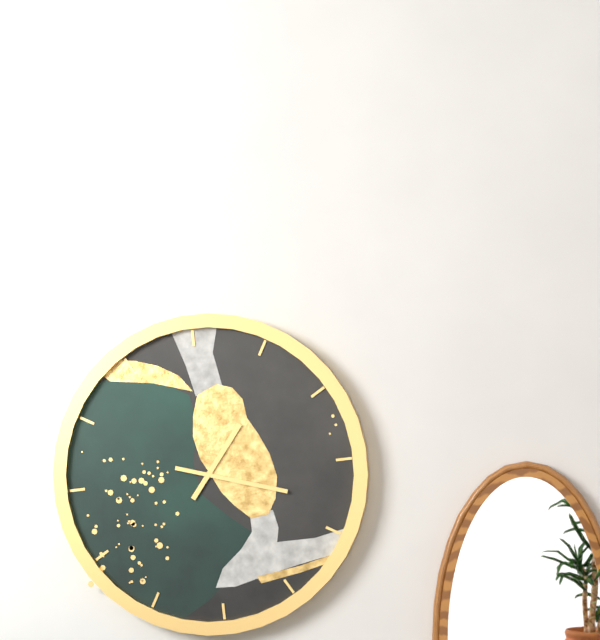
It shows {"hour": 1, "minute": 18}
